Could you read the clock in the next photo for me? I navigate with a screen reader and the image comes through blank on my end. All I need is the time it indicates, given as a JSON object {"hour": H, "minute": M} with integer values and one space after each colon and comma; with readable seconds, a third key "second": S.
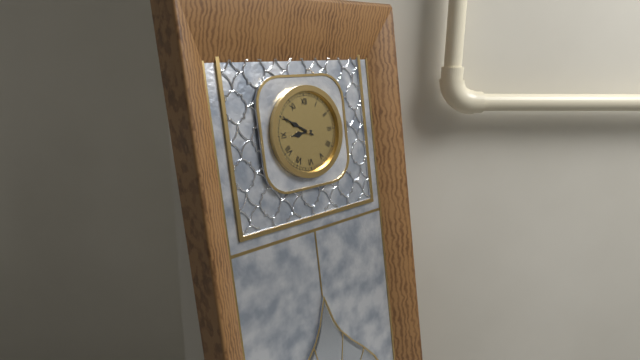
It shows {"hour": 8, "minute": 50}
